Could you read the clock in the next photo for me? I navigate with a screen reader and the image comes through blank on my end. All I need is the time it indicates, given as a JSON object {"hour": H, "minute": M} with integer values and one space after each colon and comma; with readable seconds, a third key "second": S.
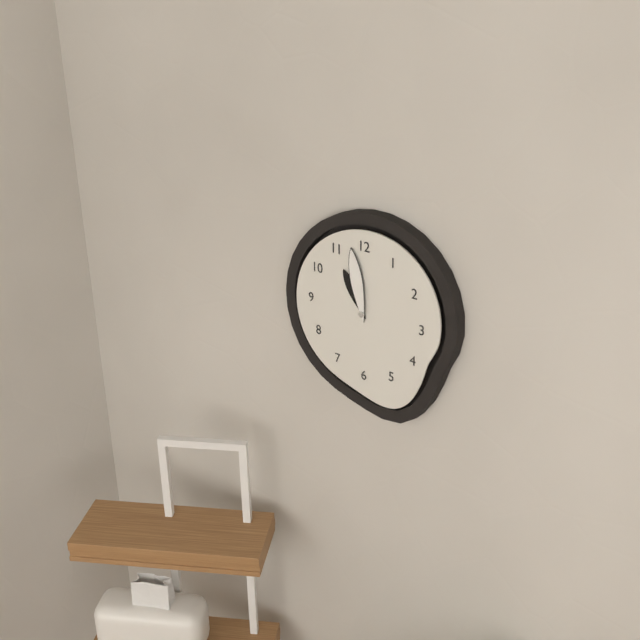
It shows {"hour": 10, "minute": 58}
